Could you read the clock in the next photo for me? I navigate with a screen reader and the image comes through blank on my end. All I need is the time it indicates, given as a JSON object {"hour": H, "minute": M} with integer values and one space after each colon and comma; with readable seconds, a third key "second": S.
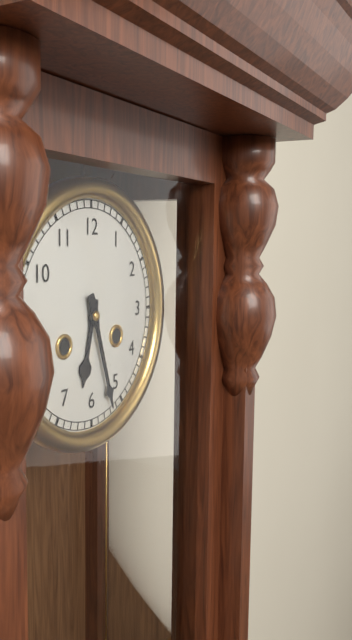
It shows {"hour": 6, "minute": 27}
